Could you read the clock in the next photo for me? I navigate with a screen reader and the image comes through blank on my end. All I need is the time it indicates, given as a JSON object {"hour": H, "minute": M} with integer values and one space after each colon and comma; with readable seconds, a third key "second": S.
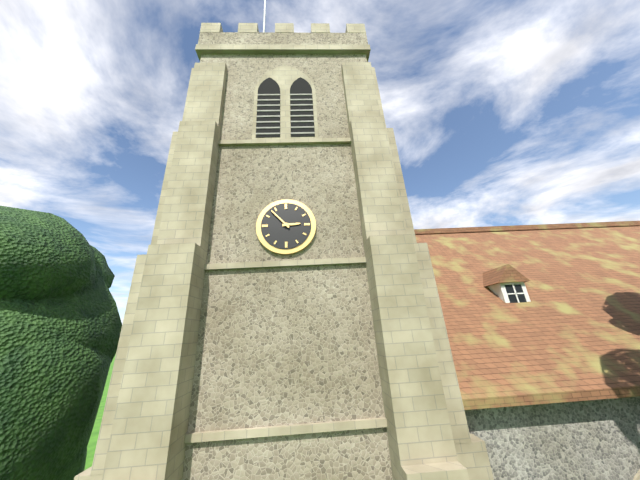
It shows {"hour": 2, "minute": 53}
